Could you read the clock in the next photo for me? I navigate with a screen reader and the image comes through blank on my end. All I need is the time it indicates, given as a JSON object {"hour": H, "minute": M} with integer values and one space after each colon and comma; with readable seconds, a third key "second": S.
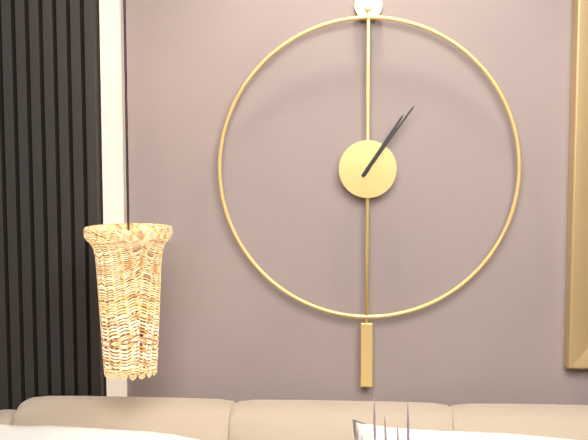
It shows {"hour": 1, "minute": 6}
